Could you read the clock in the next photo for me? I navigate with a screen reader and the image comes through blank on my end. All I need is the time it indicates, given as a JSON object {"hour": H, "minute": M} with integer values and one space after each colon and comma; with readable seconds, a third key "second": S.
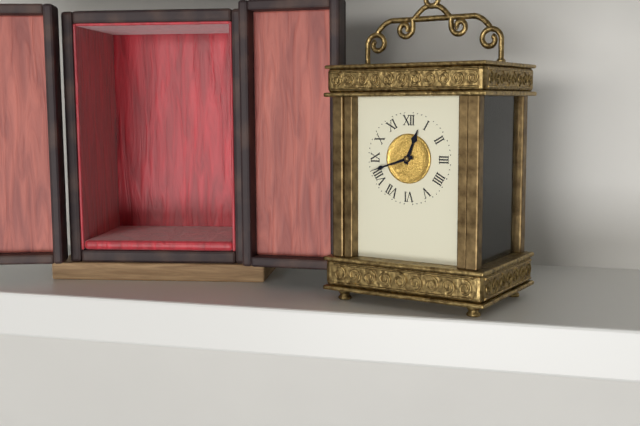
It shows {"hour": 12, "minute": 42}
